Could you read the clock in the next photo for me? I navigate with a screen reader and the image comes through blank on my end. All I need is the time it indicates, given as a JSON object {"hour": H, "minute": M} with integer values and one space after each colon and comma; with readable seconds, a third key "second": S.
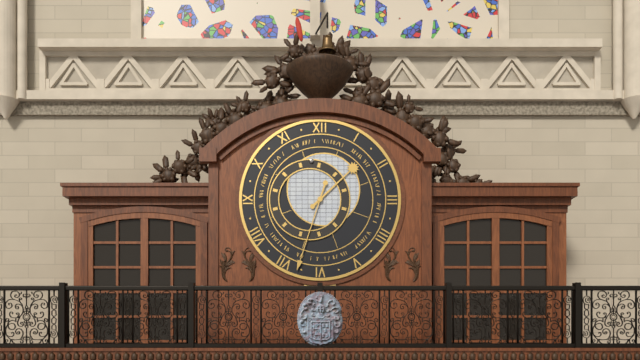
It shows {"hour": 1, "minute": 33}
